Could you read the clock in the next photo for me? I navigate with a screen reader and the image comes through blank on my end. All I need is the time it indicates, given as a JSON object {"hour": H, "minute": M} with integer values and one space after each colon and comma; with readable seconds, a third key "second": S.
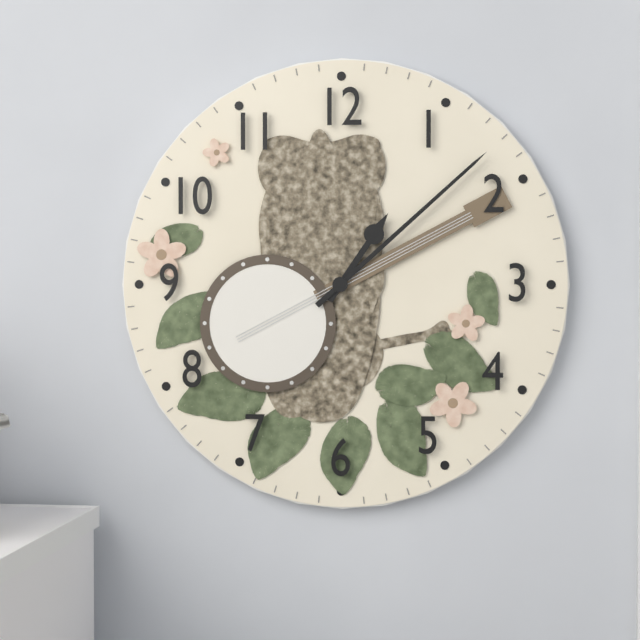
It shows {"hour": 1, "minute": 8}
